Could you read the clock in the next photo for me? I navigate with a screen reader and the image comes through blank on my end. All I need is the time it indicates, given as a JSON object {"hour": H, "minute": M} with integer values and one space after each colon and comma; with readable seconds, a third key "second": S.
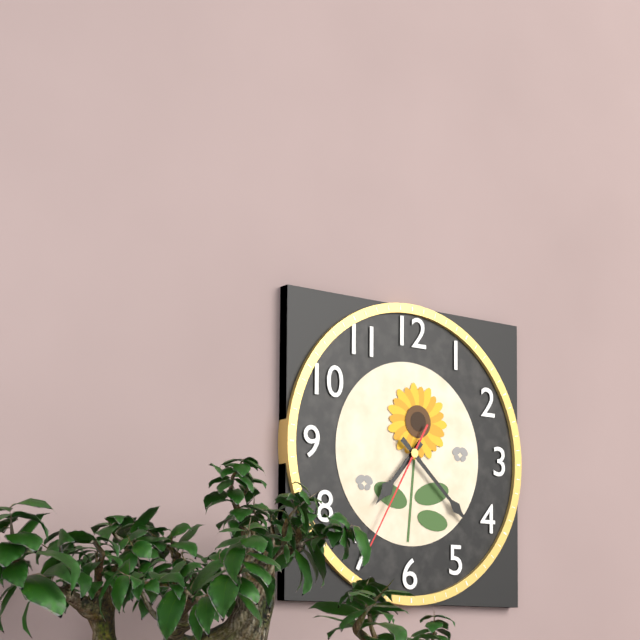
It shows {"hour": 7, "minute": 22, "second": 35}
